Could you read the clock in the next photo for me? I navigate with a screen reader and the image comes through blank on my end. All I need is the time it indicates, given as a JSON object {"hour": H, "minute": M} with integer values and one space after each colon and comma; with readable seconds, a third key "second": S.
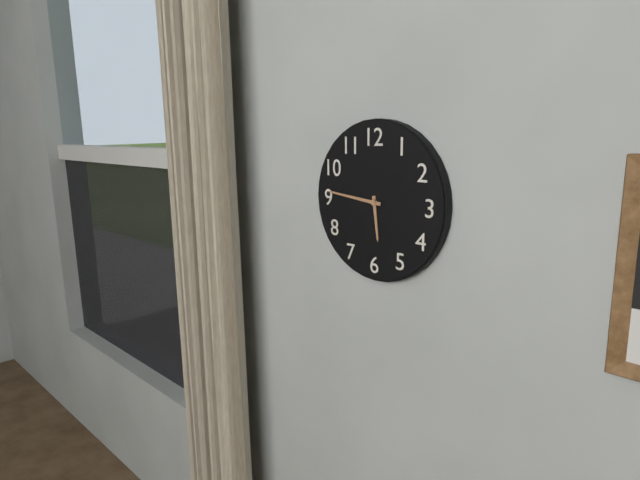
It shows {"hour": 5, "minute": 46}
